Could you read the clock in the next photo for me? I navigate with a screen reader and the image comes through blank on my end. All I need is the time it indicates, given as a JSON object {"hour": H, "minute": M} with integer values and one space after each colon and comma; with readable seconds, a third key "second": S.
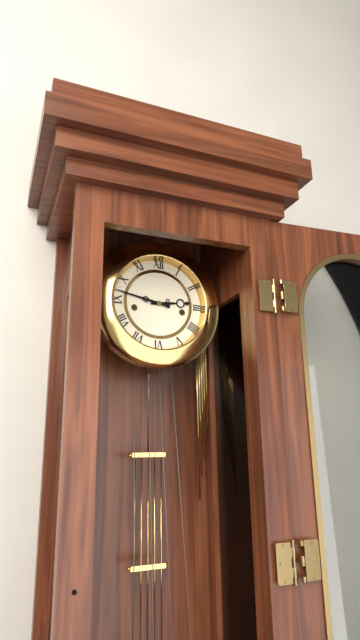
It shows {"hour": 2, "minute": 47}
